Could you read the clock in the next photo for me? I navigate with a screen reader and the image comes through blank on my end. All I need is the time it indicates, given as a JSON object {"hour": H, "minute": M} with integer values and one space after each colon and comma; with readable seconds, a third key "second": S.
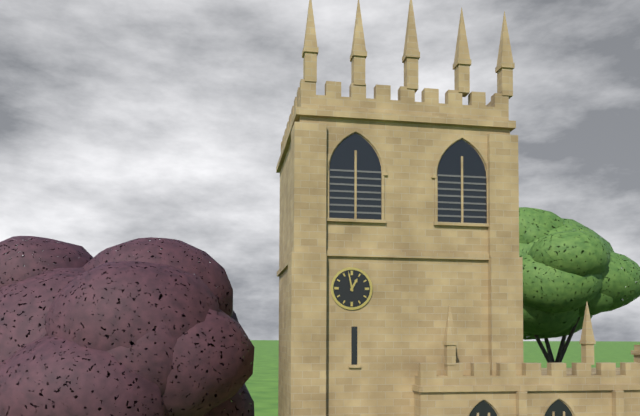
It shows {"hour": 12, "minute": 58}
